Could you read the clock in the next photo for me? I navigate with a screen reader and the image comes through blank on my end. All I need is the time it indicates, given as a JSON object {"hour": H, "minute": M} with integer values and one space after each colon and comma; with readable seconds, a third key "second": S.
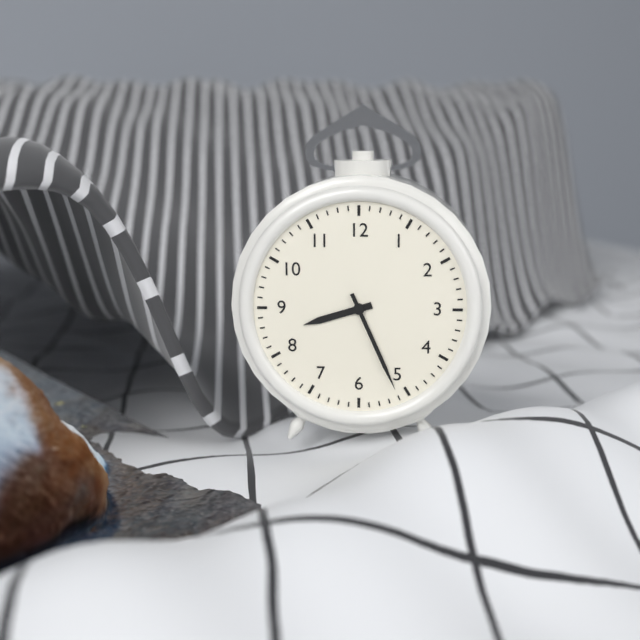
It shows {"hour": 8, "minute": 26}
